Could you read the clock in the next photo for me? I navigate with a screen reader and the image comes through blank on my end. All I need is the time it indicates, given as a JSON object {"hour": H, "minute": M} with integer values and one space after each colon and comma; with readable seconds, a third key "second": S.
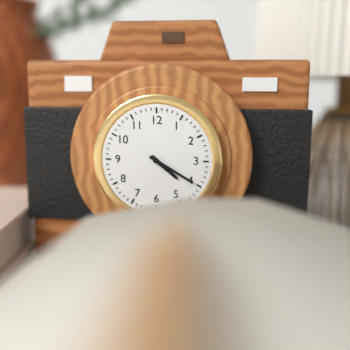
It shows {"hour": 4, "minute": 20}
